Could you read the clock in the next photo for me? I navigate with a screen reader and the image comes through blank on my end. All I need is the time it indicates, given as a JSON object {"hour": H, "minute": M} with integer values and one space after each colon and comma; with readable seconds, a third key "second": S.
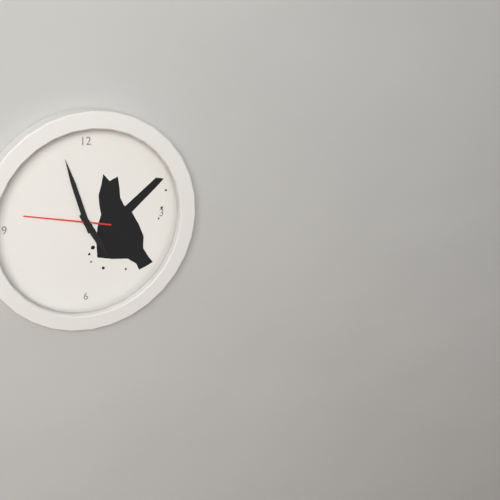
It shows {"hour": 4, "minute": 57, "second": 47}
